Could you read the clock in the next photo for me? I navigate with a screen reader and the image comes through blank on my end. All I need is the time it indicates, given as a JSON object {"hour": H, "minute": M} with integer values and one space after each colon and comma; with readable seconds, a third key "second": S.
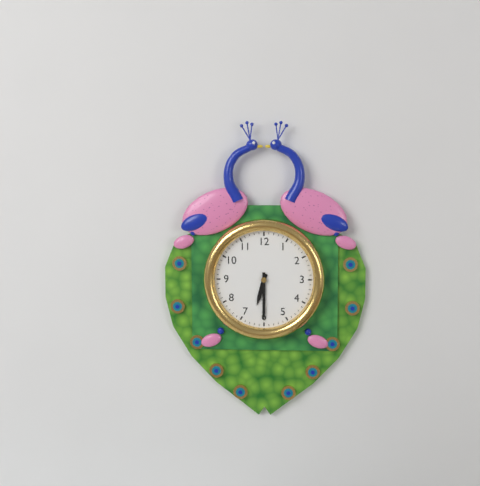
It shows {"hour": 6, "minute": 30}
